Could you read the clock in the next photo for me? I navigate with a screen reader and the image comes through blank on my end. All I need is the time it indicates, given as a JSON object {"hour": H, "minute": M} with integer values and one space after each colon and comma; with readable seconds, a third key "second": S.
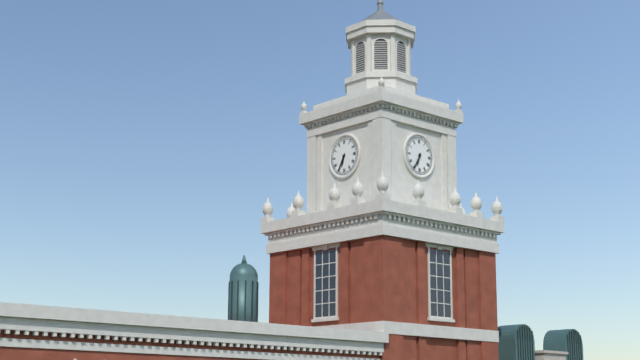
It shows {"hour": 6, "minute": 35}
